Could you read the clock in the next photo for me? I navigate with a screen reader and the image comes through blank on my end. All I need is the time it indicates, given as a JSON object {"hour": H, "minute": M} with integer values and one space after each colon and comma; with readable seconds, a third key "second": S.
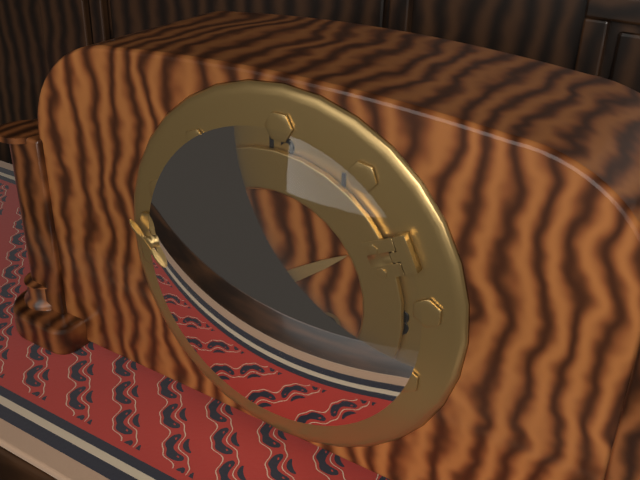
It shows {"hour": 1, "minute": 50}
